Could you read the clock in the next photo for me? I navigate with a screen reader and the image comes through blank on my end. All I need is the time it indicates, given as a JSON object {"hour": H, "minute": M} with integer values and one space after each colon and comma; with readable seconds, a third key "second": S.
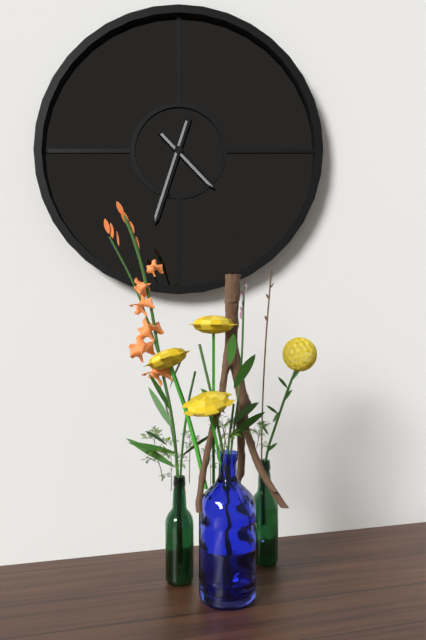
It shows {"hour": 4, "minute": 33}
